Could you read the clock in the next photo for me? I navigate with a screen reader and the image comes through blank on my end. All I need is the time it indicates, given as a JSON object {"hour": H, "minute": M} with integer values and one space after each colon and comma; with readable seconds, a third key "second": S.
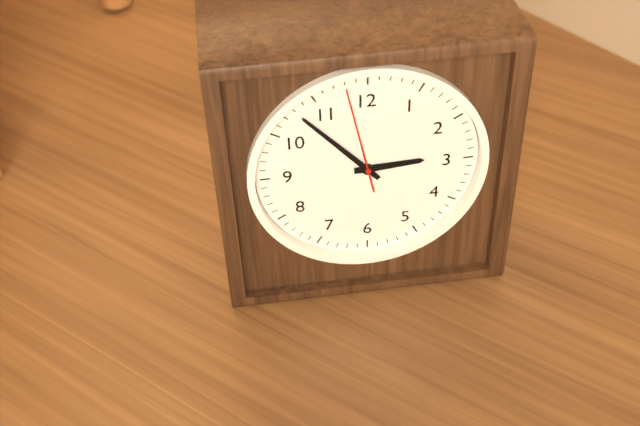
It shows {"hour": 2, "minute": 53, "second": 58}
